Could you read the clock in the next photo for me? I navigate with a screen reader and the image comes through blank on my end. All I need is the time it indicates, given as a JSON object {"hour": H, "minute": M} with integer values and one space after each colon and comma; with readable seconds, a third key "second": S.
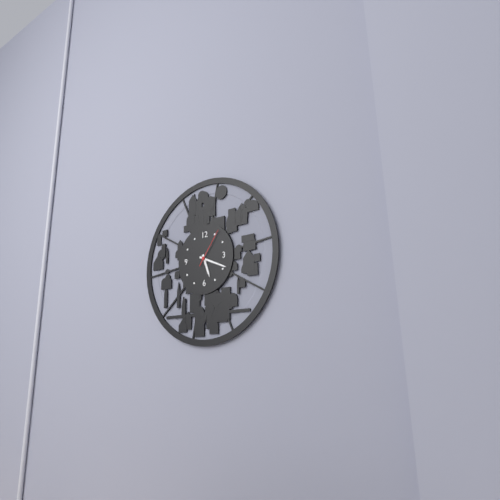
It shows {"hour": 5, "minute": 19}
